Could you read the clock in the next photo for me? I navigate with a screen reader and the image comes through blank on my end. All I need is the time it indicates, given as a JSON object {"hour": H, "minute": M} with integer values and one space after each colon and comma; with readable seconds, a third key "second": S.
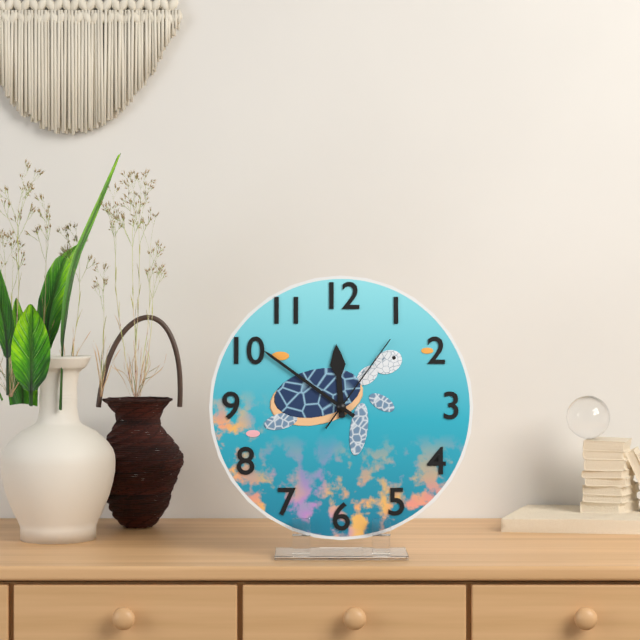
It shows {"hour": 11, "minute": 51, "second": 6}
